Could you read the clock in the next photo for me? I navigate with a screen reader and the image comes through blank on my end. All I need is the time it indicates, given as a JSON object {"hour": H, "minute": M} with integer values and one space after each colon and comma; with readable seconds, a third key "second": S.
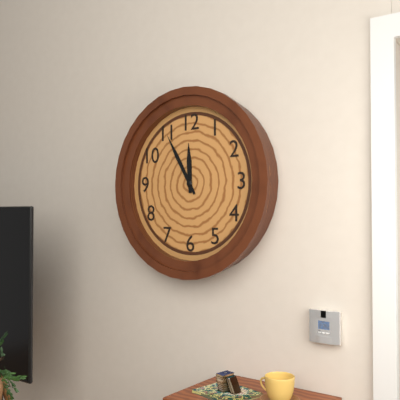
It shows {"hour": 11, "minute": 55}
